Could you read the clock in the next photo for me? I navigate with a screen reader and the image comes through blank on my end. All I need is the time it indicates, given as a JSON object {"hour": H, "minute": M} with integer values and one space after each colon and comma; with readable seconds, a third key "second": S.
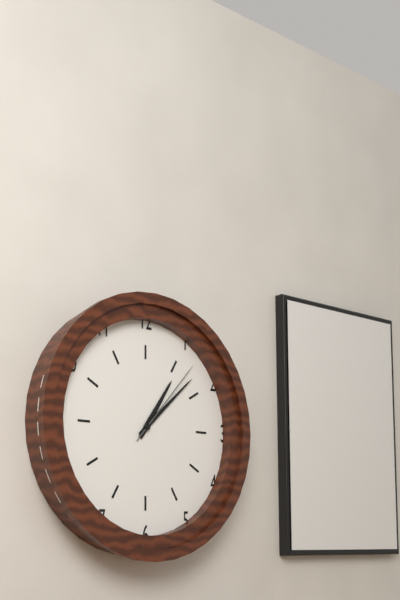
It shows {"hour": 1, "minute": 8, "second": 7}
